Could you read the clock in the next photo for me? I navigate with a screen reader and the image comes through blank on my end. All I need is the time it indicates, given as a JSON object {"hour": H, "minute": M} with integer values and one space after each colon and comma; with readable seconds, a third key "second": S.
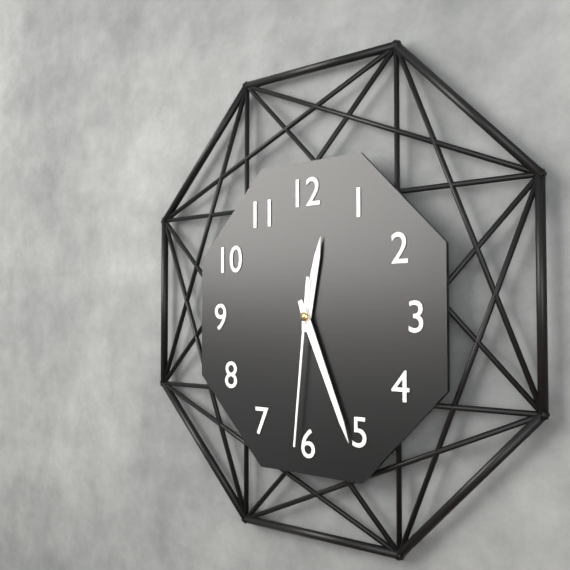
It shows {"hour": 12, "minute": 26, "second": 31}
